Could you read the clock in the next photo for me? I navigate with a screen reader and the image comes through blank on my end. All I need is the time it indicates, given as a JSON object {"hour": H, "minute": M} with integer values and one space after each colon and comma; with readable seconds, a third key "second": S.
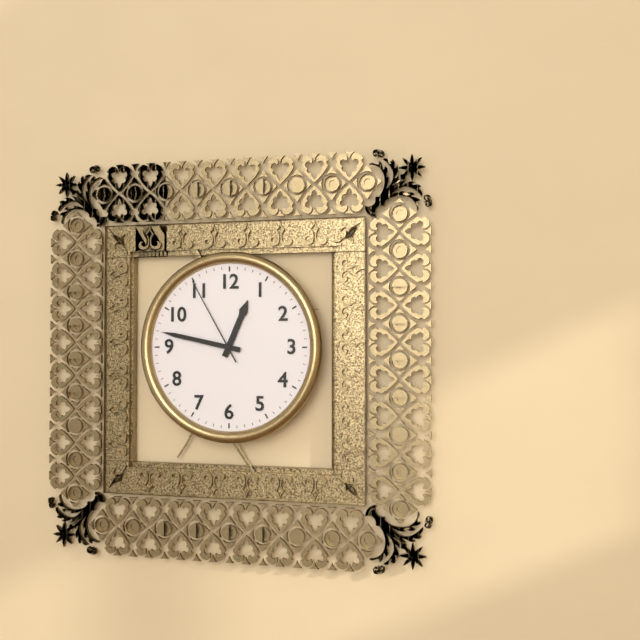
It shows {"hour": 12, "minute": 47, "second": 55}
